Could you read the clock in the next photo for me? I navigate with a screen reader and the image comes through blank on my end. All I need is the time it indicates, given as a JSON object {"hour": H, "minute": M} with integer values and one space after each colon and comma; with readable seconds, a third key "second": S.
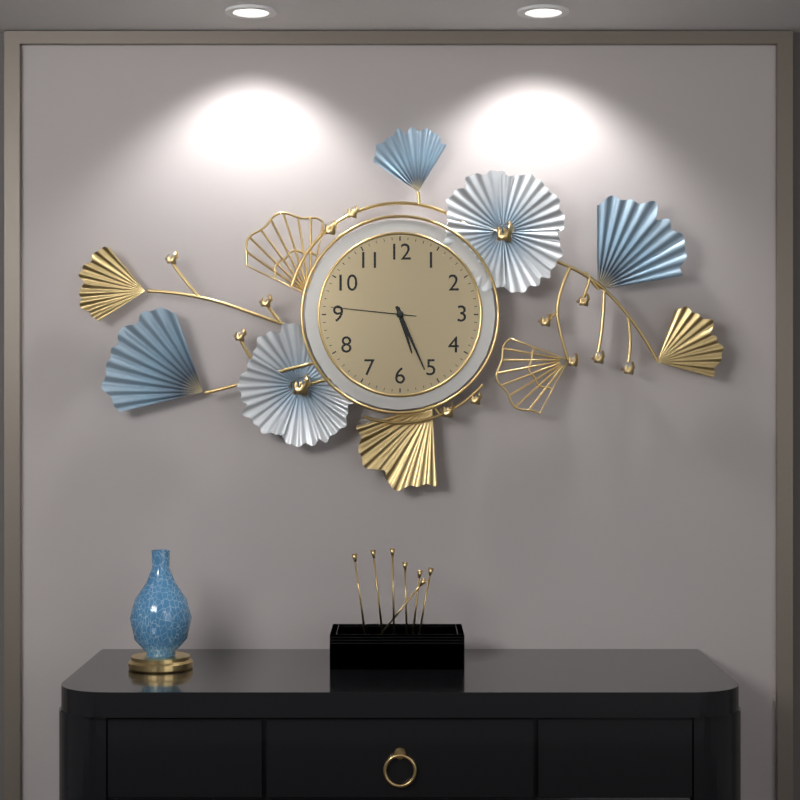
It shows {"hour": 5, "minute": 26, "second": 46}
